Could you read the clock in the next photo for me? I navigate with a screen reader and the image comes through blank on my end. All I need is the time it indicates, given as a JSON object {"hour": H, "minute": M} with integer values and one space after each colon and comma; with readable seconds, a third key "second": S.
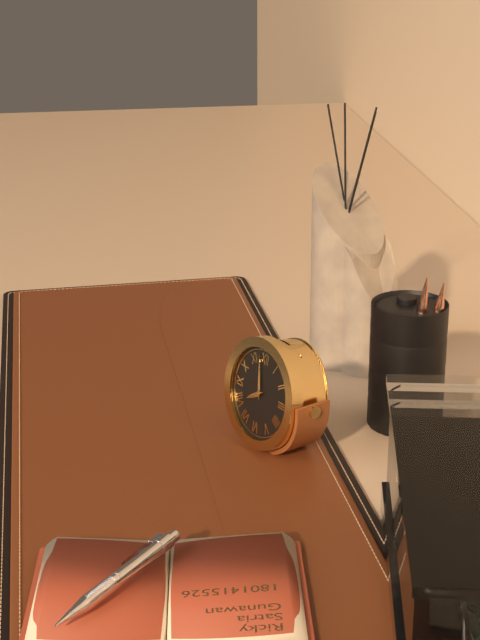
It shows {"hour": 7, "minute": 58}
